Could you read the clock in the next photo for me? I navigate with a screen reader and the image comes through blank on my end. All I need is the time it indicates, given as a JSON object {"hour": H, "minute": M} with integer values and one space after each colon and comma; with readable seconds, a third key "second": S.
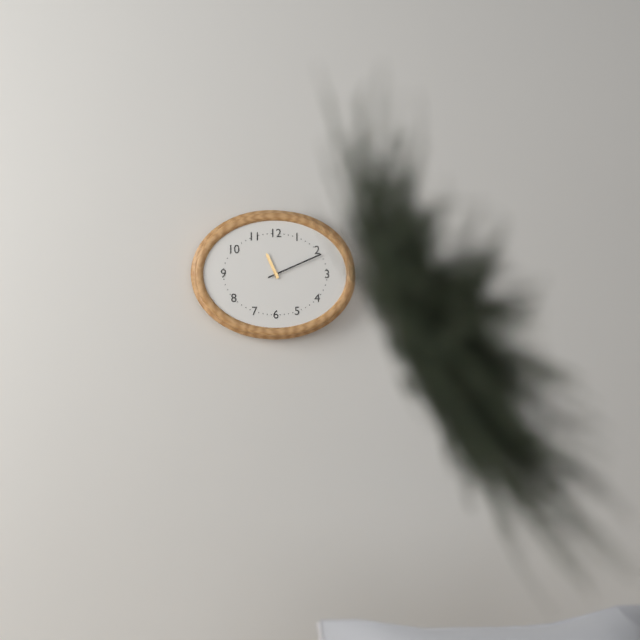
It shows {"hour": 11, "minute": 11}
